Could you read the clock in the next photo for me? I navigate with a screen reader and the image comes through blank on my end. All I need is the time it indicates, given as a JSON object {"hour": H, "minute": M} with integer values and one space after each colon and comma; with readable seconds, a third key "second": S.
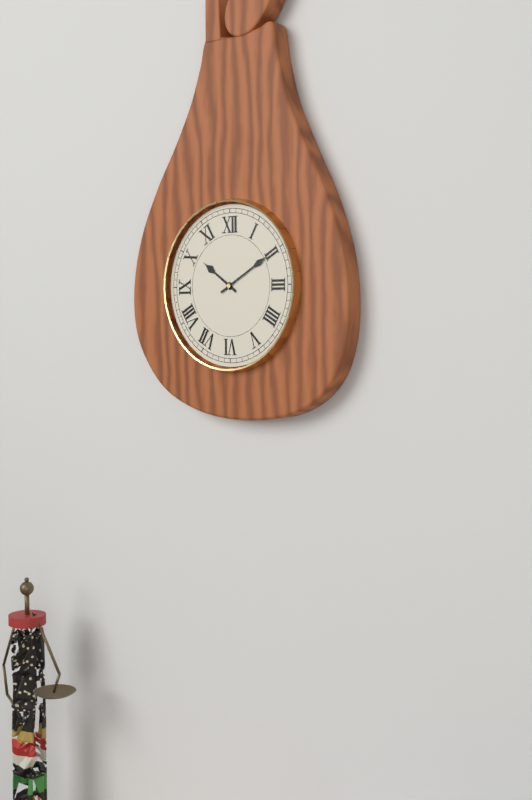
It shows {"hour": 10, "minute": 10}
